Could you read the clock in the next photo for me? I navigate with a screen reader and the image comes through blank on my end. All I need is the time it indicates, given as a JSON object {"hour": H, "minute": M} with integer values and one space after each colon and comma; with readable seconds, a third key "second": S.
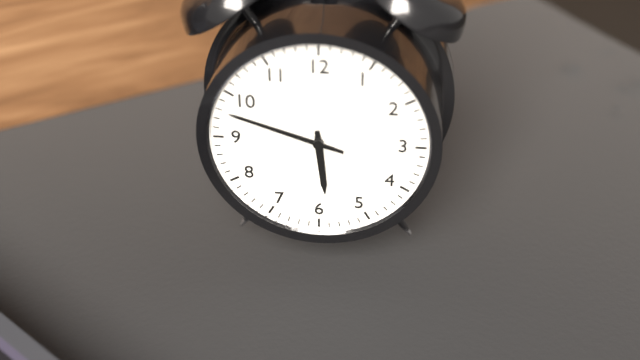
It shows {"hour": 5, "minute": 48}
